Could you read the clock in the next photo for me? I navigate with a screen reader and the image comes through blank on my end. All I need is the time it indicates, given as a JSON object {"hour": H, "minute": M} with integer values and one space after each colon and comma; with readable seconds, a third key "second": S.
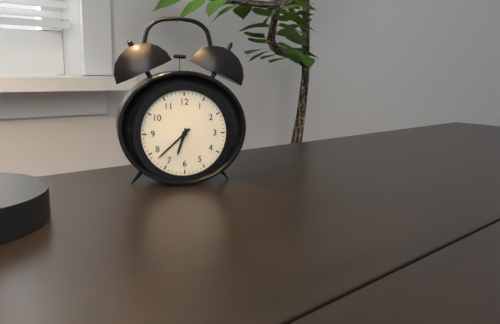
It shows {"hour": 6, "minute": 38}
